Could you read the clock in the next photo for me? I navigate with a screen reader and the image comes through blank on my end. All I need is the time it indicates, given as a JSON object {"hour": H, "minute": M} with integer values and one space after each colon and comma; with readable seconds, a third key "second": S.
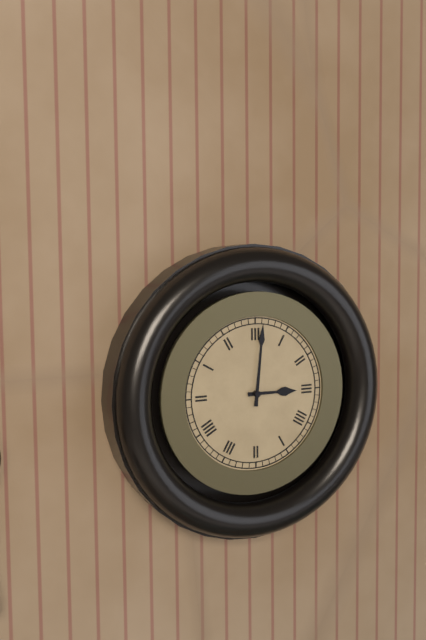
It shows {"hour": 3, "minute": 1}
